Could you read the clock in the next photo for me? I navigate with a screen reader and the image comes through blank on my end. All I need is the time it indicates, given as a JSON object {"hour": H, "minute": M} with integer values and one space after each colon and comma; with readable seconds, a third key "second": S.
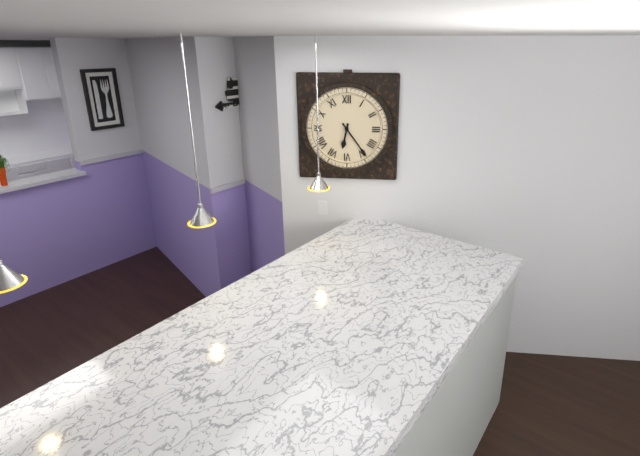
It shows {"hour": 6, "minute": 24}
